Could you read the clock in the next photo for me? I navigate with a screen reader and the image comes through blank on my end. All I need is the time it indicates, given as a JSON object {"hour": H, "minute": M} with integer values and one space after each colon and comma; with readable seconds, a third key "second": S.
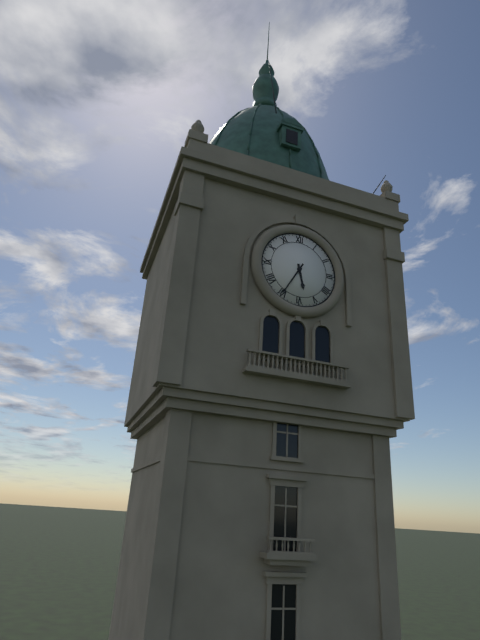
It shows {"hour": 5, "minute": 35}
